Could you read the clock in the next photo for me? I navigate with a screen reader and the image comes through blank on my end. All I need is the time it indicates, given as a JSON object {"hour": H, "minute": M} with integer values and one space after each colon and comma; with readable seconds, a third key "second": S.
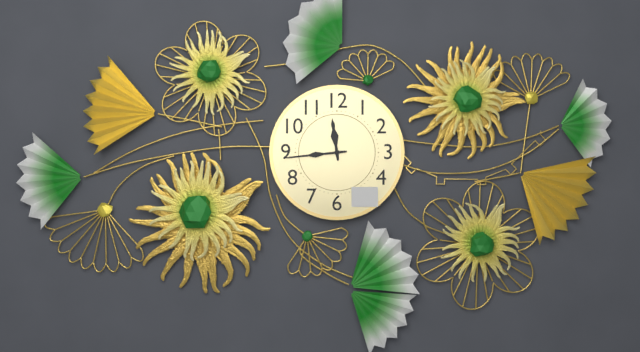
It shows {"hour": 11, "minute": 44}
